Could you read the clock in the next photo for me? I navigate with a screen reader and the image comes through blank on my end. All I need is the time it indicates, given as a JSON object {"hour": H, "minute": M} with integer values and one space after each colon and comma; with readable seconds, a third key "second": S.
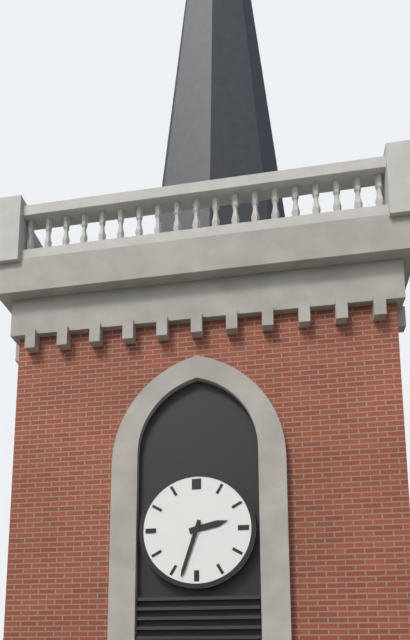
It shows {"hour": 2, "minute": 33}
